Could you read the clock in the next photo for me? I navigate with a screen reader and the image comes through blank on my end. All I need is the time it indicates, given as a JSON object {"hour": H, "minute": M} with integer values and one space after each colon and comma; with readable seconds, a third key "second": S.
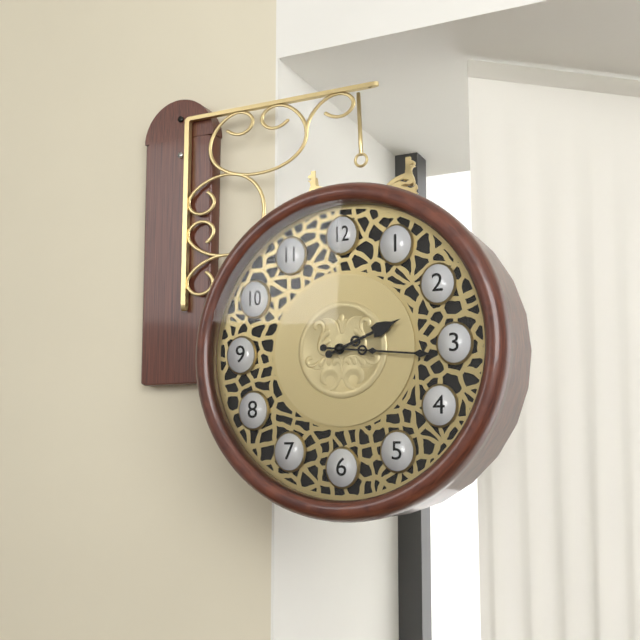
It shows {"hour": 2, "minute": 16}
